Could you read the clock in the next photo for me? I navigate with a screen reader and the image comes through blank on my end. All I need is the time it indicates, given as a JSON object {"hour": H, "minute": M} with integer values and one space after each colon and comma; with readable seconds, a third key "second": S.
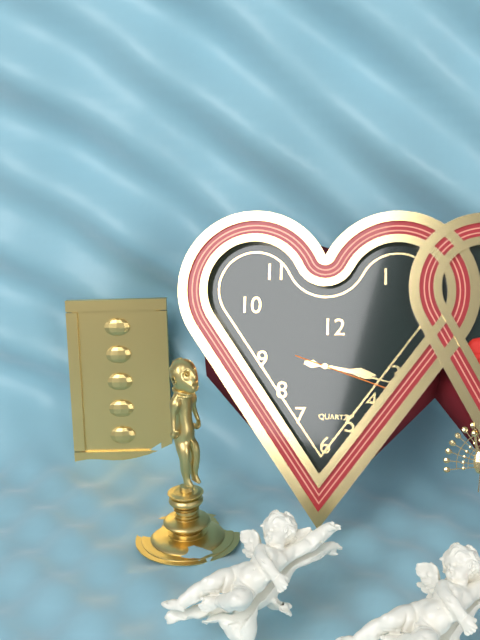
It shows {"hour": 3, "minute": 17, "second": 18}
